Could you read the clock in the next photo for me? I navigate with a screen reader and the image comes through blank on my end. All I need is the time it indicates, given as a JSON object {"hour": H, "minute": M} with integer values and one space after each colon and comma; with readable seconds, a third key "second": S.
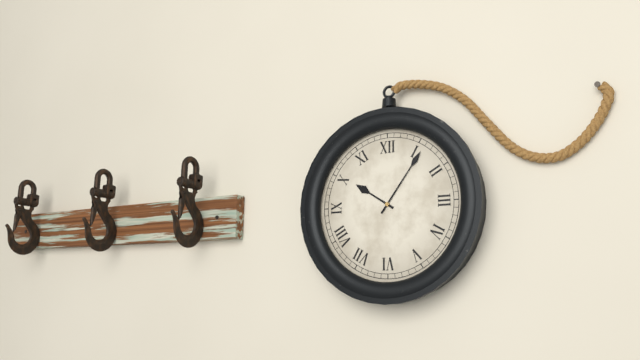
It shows {"hour": 10, "minute": 6}
